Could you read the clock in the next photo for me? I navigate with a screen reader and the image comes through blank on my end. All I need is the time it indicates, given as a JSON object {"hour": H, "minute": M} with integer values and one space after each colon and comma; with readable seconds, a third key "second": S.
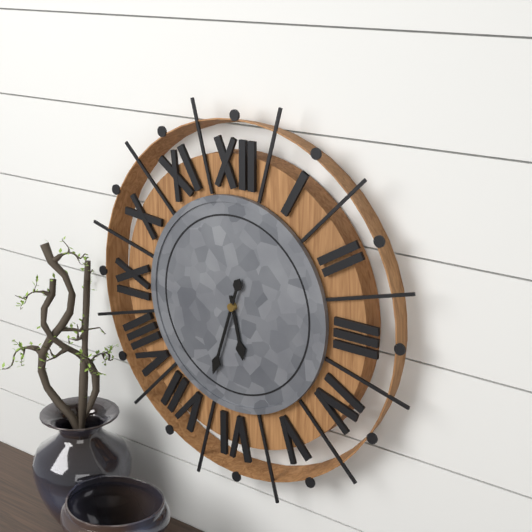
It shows {"hour": 5, "minute": 33}
